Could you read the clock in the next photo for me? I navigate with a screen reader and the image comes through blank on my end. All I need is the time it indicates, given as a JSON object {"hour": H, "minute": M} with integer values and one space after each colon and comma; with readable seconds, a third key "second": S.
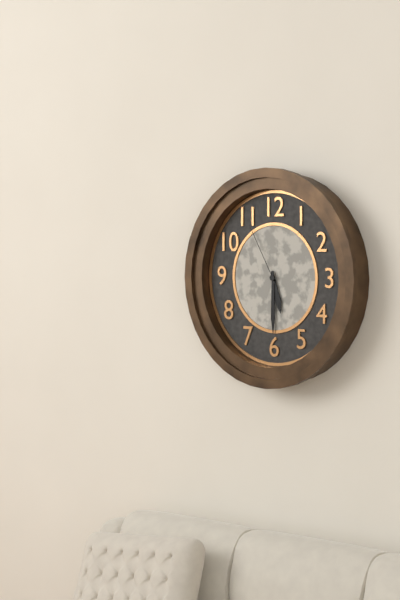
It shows {"hour": 5, "minute": 30, "second": 55}
